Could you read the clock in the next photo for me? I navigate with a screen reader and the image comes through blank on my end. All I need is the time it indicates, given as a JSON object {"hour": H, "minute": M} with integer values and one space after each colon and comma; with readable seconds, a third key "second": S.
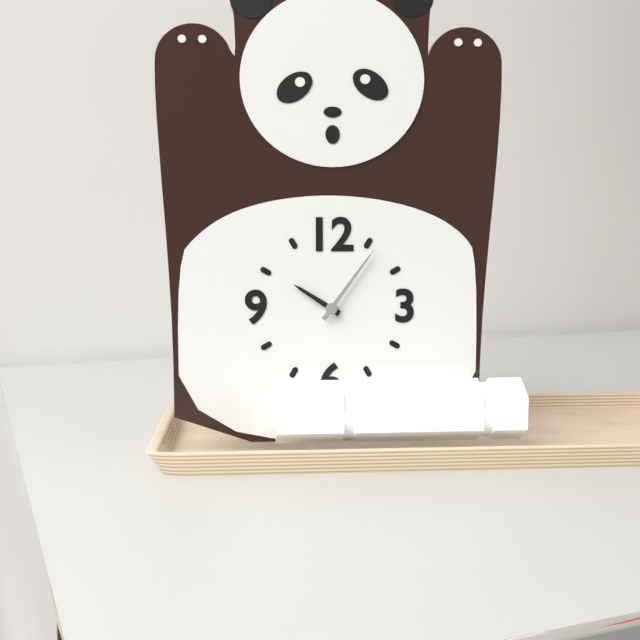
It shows {"hour": 10, "minute": 6}
